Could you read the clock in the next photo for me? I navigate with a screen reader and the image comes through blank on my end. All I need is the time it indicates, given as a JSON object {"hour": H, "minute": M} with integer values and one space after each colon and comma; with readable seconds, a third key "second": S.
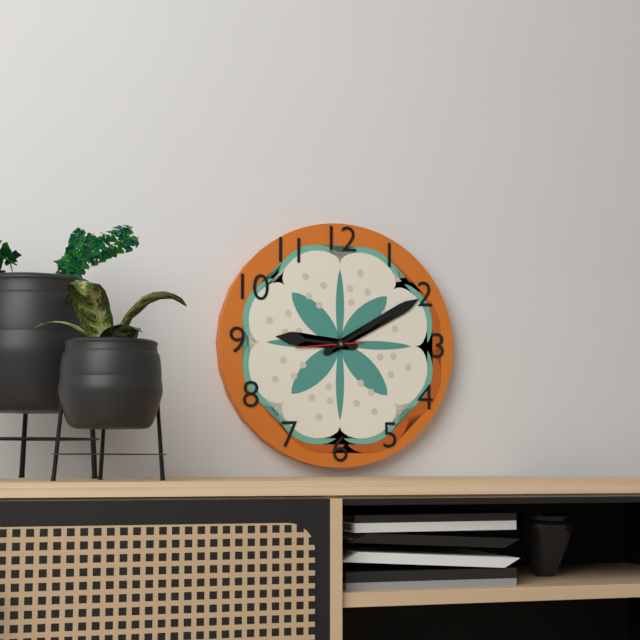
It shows {"hour": 9, "minute": 10, "second": 44}
